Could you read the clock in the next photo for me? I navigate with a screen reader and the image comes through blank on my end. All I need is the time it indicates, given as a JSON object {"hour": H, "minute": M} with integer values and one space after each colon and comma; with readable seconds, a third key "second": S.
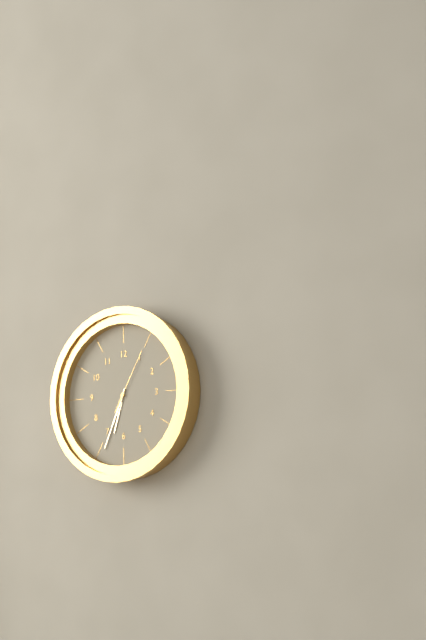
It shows {"hour": 6, "minute": 34, "second": 5}
